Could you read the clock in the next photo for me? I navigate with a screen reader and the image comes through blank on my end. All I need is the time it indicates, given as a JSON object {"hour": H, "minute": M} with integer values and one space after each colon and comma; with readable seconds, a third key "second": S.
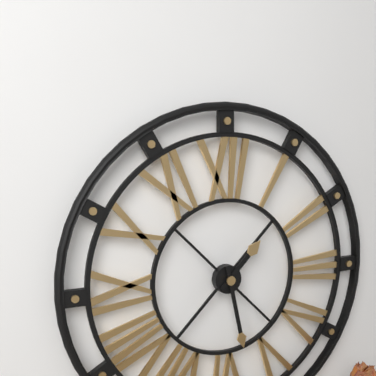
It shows {"hour": 1, "minute": 28}
